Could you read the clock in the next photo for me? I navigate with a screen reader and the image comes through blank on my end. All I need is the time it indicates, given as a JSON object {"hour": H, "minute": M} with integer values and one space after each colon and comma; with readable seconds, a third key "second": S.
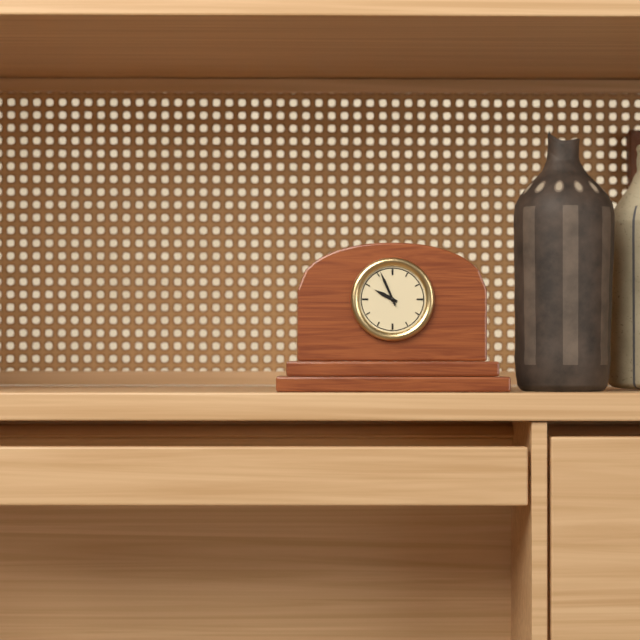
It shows {"hour": 9, "minute": 56}
